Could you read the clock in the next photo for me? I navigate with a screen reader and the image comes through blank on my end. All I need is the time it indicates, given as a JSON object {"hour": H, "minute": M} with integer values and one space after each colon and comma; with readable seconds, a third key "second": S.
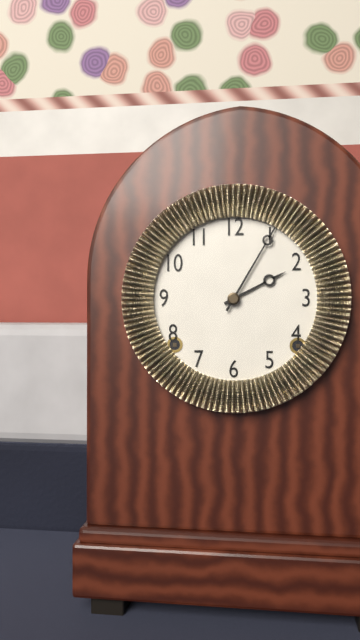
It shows {"hour": 2, "minute": 5}
